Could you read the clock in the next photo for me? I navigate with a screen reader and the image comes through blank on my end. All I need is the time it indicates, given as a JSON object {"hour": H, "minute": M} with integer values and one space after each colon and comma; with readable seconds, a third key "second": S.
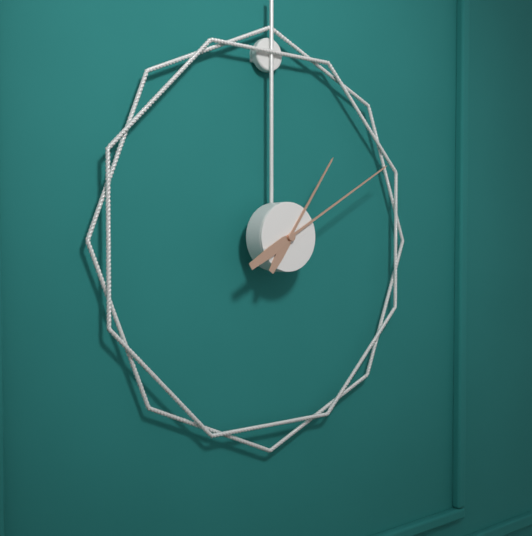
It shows {"hour": 1, "minute": 10}
